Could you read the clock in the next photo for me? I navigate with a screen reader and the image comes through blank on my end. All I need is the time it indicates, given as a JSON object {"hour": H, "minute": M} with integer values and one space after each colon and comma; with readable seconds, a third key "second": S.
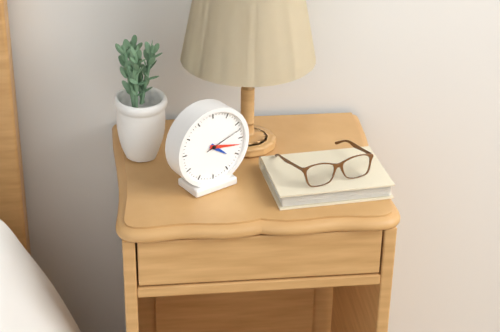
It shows {"hour": 4, "minute": 17}
